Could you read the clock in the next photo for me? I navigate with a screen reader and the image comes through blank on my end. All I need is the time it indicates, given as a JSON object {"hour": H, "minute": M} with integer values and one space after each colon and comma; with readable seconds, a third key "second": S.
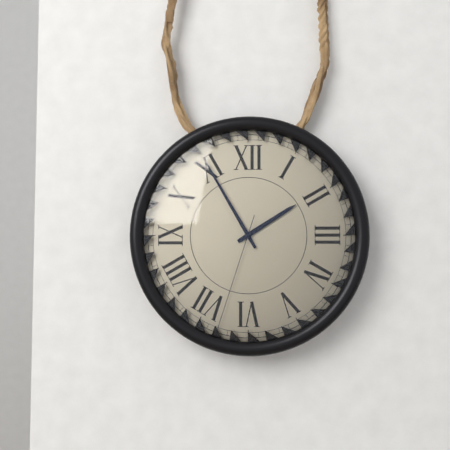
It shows {"hour": 1, "minute": 55, "second": 33}
